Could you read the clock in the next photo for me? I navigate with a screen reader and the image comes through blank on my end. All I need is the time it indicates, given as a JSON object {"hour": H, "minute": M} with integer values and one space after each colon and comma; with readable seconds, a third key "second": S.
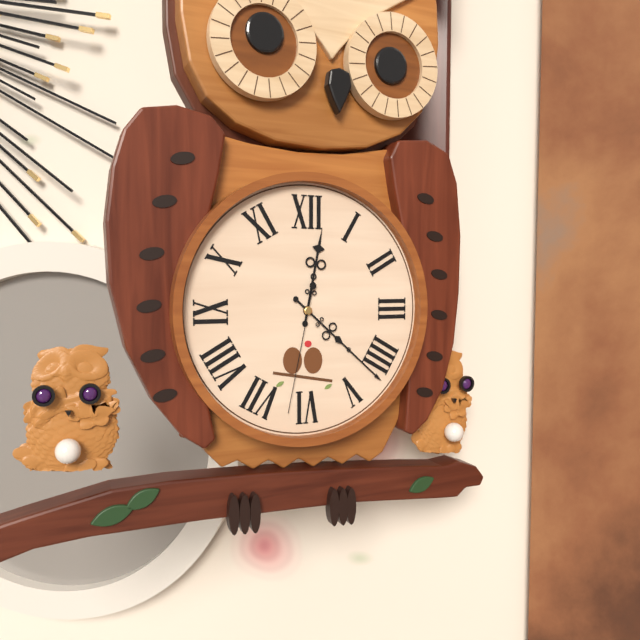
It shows {"hour": 12, "minute": 22, "second": 32}
